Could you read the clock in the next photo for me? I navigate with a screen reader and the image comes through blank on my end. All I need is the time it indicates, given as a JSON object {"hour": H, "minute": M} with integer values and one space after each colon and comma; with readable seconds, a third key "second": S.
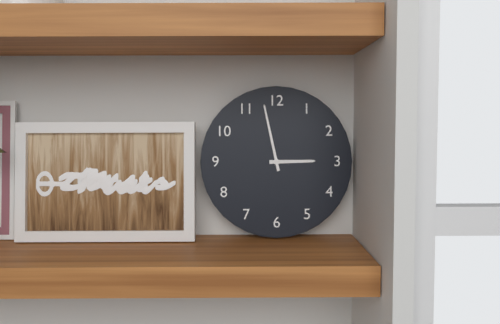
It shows {"hour": 2, "minute": 58}
